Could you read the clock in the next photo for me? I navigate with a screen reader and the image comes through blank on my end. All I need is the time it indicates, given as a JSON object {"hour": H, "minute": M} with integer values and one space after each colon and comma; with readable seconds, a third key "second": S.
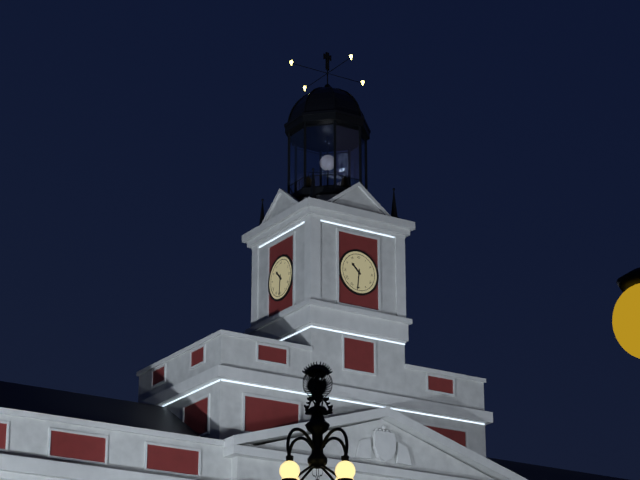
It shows {"hour": 10, "minute": 31}
